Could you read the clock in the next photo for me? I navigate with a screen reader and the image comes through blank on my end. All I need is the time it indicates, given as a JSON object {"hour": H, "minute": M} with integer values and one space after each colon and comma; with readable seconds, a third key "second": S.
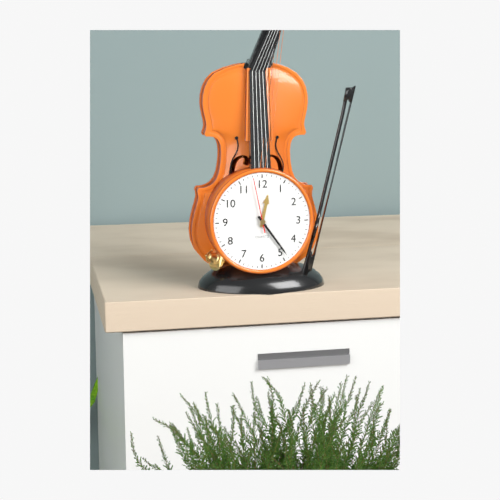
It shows {"hour": 12, "minute": 24, "second": 58}
